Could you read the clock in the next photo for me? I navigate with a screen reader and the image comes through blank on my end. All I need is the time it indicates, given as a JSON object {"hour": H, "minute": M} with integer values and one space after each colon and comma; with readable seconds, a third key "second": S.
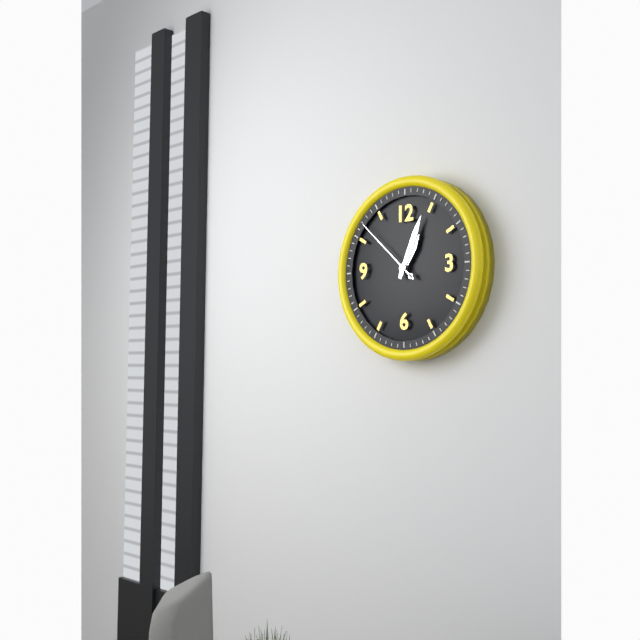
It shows {"hour": 1, "minute": 4, "second": 52}
